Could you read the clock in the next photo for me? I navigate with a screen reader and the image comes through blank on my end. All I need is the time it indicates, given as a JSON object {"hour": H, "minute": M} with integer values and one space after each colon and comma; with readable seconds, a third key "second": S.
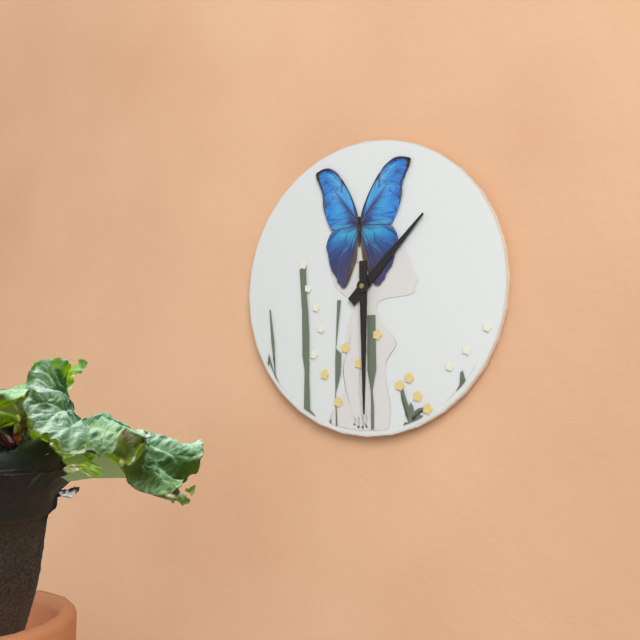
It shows {"hour": 1, "minute": 30}
